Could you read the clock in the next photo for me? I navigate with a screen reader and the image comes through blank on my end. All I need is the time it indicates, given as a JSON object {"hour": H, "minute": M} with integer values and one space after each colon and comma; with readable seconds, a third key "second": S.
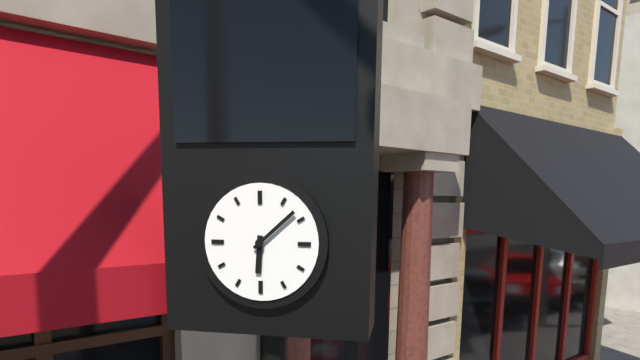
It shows {"hour": 6, "minute": 8}
